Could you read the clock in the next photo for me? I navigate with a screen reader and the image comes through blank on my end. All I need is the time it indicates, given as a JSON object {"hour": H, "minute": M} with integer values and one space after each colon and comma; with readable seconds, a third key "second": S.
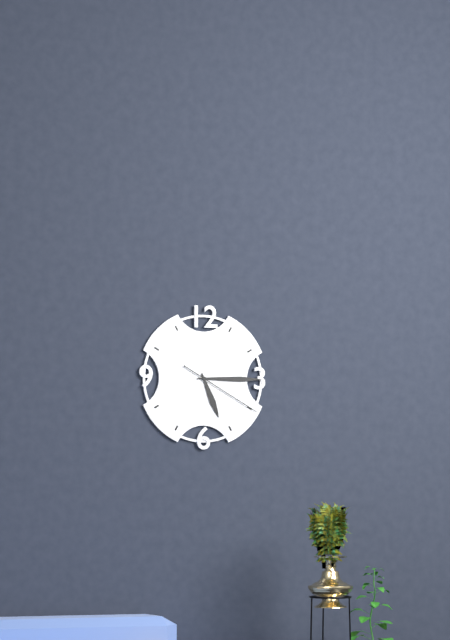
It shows {"hour": 5, "minute": 15, "second": 20}
